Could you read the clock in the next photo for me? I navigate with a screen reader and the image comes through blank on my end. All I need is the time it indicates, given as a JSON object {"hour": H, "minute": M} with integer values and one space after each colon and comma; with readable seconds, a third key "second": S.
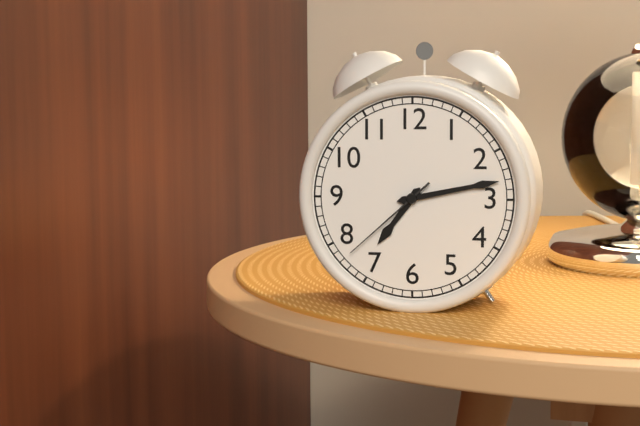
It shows {"hour": 7, "minute": 13, "second": 38}
